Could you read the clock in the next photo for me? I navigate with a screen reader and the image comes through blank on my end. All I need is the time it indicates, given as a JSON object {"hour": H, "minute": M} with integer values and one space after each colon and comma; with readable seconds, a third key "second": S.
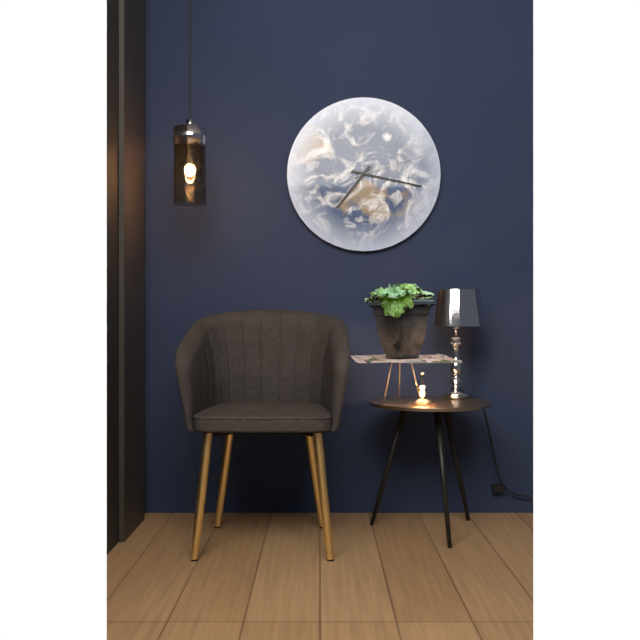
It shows {"hour": 7, "minute": 17, "second": 12}
